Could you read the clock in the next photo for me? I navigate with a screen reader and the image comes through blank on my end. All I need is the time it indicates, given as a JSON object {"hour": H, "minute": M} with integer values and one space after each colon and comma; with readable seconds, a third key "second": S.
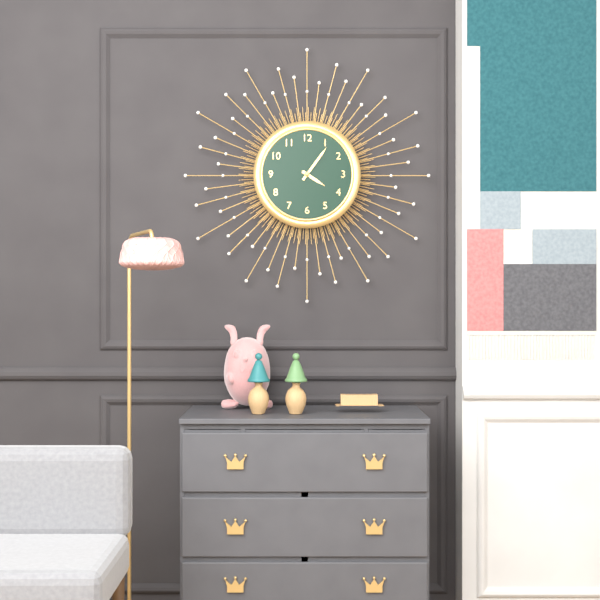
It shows {"hour": 4, "minute": 6}
